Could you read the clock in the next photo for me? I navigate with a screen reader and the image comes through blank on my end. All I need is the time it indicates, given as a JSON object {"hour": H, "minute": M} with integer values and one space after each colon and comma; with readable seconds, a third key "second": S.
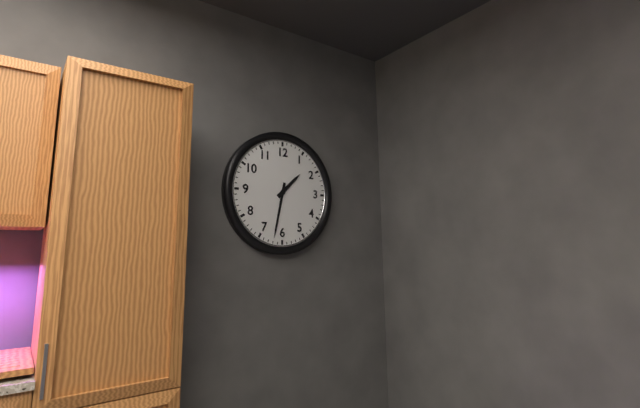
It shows {"hour": 1, "minute": 32}
